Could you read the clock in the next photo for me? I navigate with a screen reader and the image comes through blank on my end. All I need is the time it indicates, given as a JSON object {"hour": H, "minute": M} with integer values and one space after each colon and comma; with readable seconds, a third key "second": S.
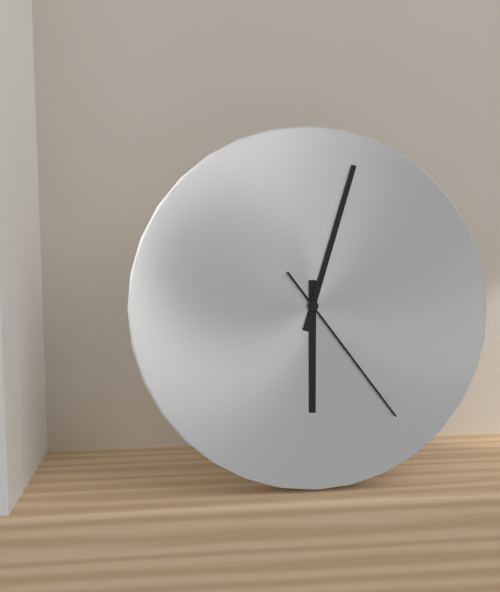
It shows {"hour": 6, "minute": 3, "second": 24}
